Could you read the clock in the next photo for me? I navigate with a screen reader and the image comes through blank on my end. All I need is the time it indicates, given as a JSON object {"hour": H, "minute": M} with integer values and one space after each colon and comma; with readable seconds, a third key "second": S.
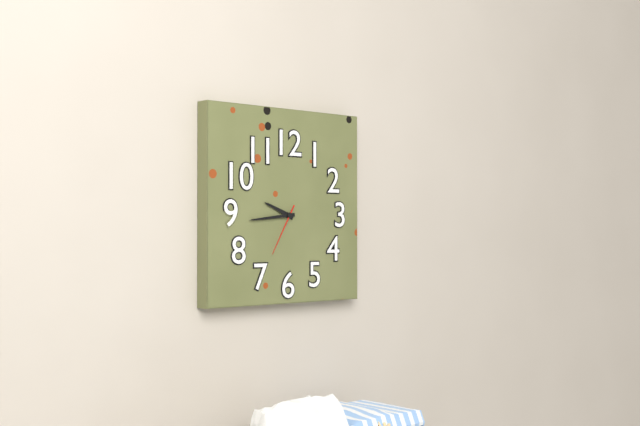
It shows {"hour": 9, "minute": 44, "second": 35}
